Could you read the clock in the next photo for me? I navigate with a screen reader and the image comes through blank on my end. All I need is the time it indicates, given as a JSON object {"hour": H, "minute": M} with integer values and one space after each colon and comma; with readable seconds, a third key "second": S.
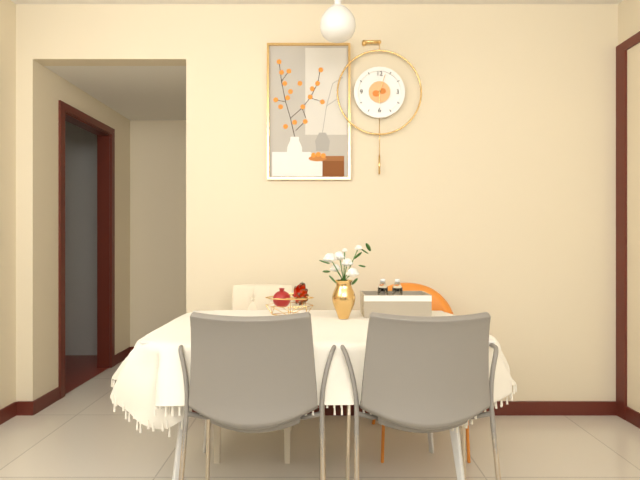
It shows {"hour": 6, "minute": 3}
